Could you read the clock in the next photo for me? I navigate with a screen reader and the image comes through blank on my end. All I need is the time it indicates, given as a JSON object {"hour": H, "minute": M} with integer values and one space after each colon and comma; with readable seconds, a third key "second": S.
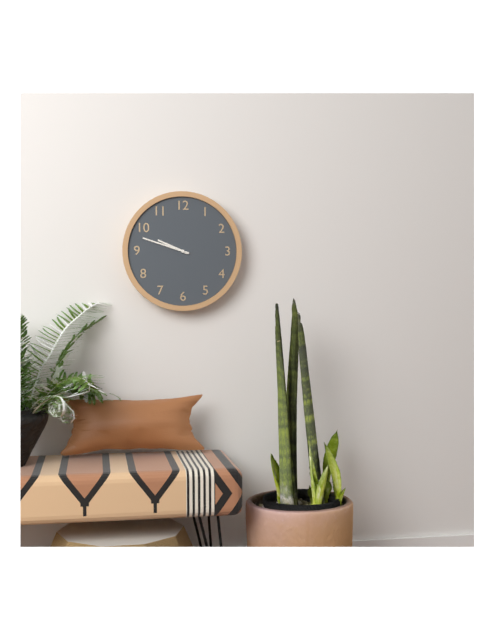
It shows {"hour": 9, "minute": 48}
